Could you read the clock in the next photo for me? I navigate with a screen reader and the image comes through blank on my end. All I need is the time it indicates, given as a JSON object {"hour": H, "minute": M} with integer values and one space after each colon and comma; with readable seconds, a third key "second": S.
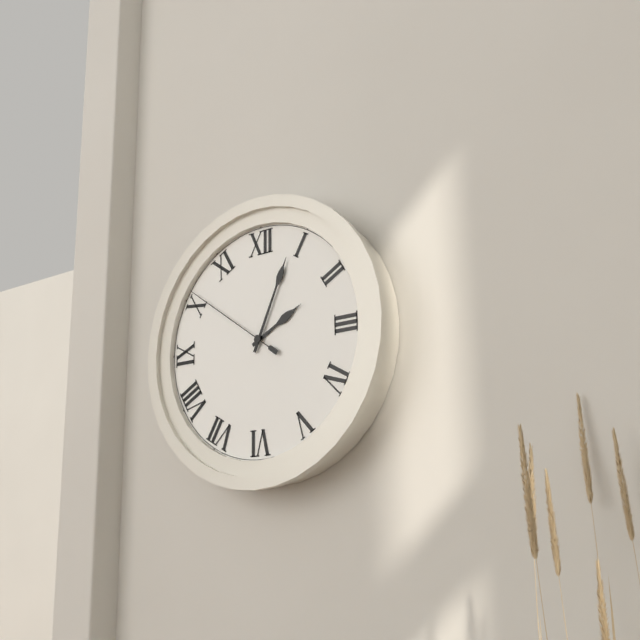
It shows {"hour": 2, "minute": 4, "second": 51}
